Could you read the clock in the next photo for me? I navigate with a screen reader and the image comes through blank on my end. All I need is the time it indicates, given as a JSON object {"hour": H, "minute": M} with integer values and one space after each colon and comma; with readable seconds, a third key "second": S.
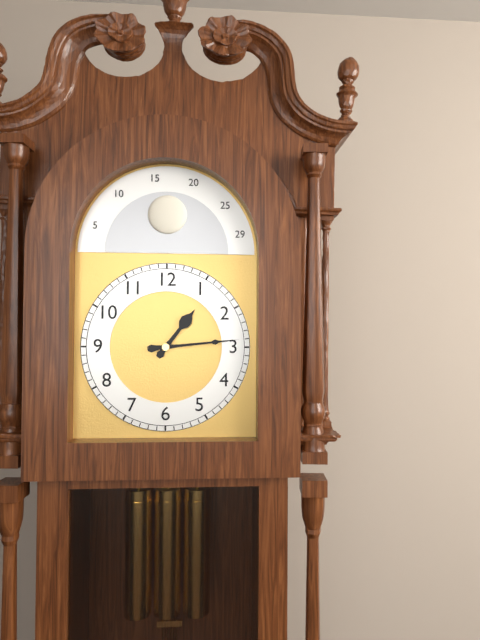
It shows {"hour": 1, "minute": 14}
